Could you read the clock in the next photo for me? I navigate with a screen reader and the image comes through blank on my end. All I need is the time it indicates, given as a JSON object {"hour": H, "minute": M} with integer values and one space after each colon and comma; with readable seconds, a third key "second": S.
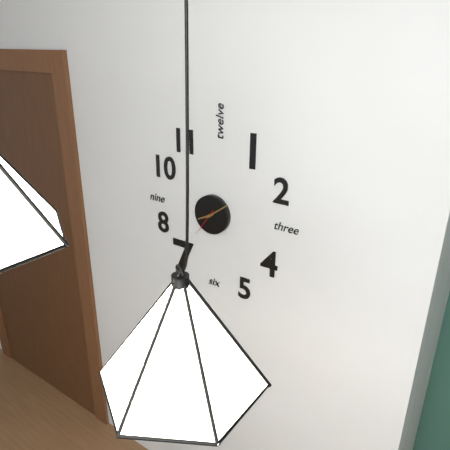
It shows {"hour": 8, "minute": 9}
